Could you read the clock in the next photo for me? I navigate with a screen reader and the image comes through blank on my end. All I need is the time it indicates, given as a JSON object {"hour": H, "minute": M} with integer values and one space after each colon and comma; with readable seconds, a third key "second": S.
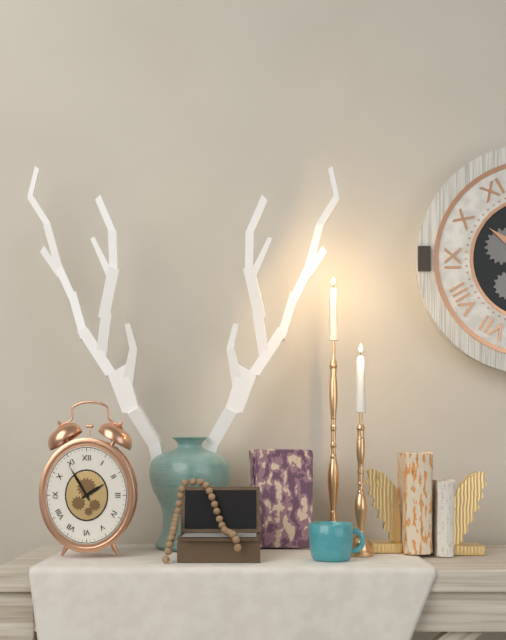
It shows {"hour": 1, "minute": 55}
